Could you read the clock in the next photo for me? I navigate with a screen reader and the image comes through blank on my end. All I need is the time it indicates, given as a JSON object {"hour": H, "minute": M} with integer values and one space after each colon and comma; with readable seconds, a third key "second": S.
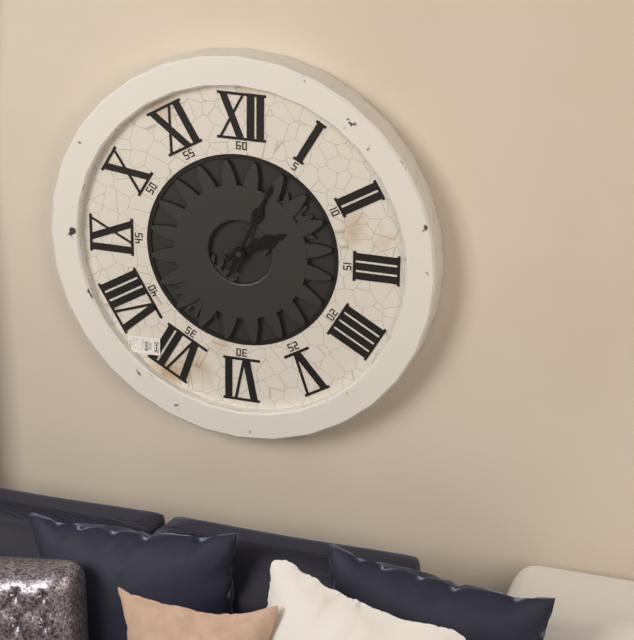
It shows {"hour": 2, "minute": 4}
